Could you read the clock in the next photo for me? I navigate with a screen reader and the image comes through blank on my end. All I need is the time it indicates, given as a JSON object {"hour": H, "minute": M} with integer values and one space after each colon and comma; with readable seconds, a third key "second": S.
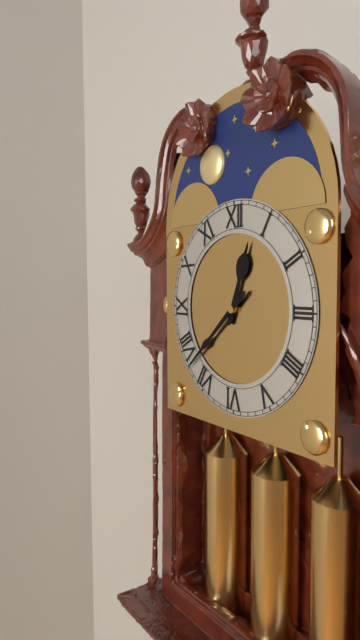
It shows {"hour": 12, "minute": 38}
